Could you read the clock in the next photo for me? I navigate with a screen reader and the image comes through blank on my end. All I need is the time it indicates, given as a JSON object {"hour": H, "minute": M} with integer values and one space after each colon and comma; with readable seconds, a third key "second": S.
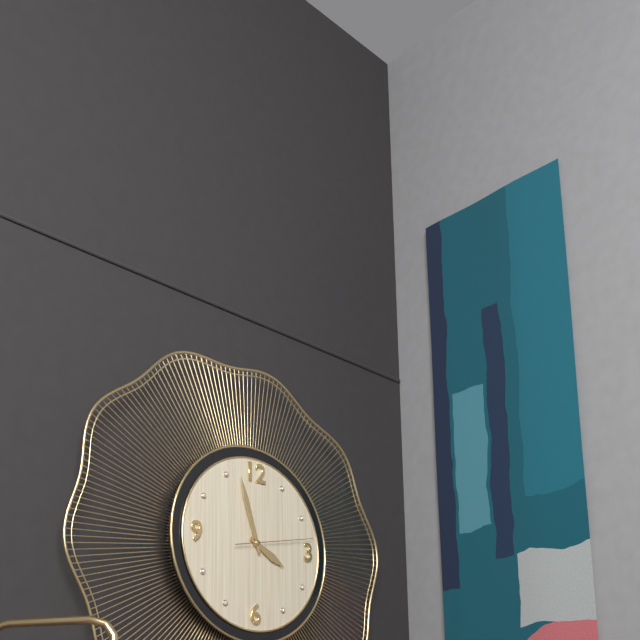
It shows {"hour": 3, "minute": 57, "second": 13}
